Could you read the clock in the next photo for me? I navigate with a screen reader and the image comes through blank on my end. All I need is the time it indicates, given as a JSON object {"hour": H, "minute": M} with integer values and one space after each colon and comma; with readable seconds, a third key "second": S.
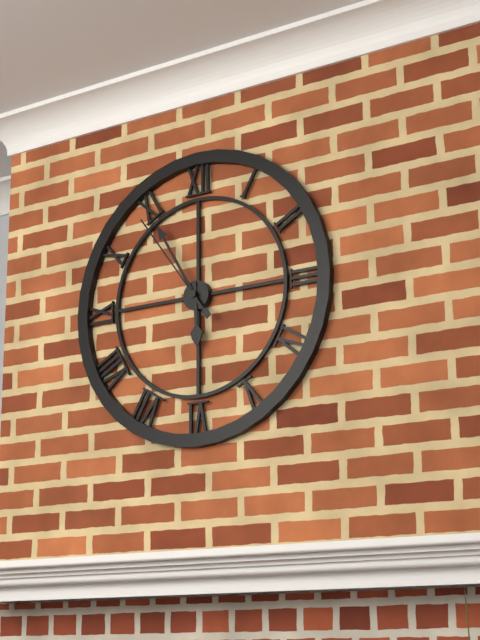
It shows {"hour": 5, "minute": 55, "second": 54}
